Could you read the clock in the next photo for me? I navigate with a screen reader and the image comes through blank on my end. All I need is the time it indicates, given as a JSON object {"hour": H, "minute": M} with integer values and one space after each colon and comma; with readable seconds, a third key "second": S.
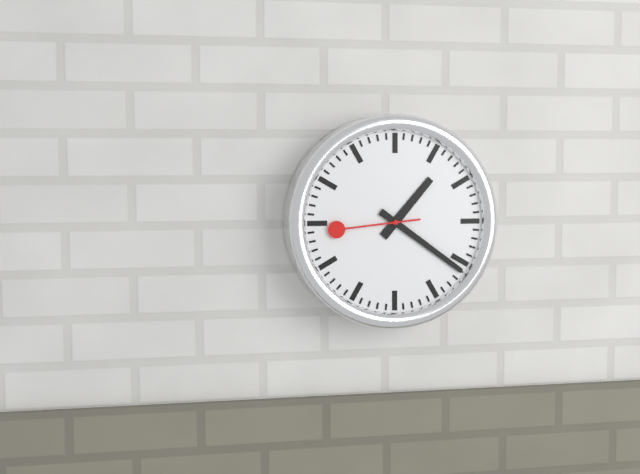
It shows {"hour": 1, "minute": 21, "second": 44}
